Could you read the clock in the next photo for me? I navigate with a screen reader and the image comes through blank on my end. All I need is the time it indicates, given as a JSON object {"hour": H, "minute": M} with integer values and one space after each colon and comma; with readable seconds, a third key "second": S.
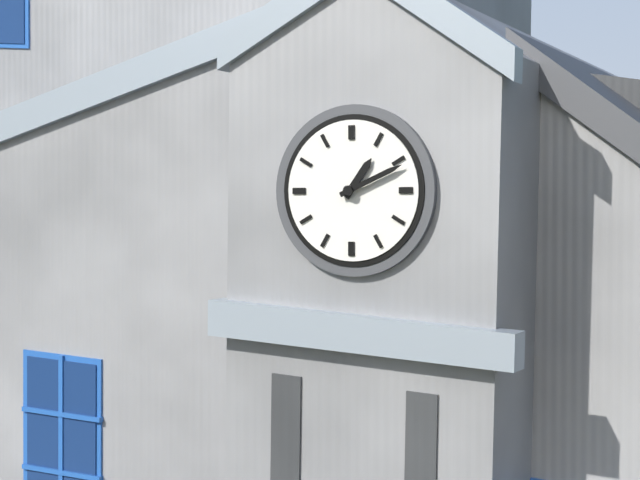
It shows {"hour": 1, "minute": 11}
